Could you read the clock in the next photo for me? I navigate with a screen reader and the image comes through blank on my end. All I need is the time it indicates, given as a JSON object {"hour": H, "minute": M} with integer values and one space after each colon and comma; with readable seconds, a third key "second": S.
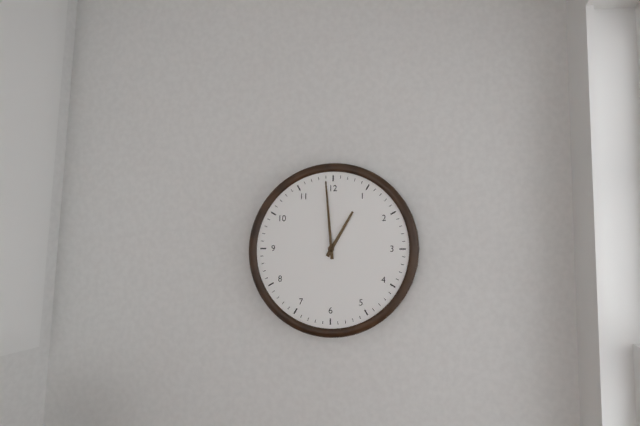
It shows {"hour": 12, "minute": 59}
